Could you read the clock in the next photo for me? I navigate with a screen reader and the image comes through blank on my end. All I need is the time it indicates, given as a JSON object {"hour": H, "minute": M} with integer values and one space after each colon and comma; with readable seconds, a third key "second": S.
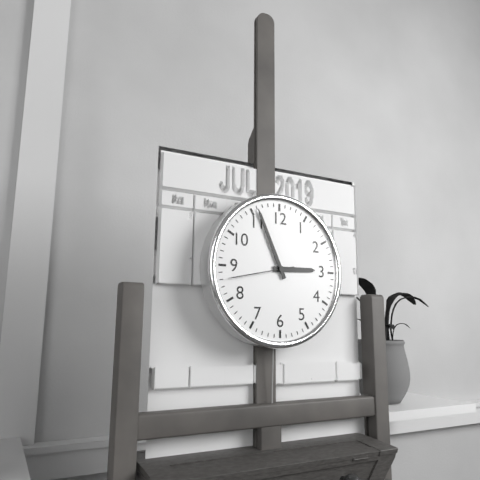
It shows {"hour": 2, "minute": 56, "second": 43}
